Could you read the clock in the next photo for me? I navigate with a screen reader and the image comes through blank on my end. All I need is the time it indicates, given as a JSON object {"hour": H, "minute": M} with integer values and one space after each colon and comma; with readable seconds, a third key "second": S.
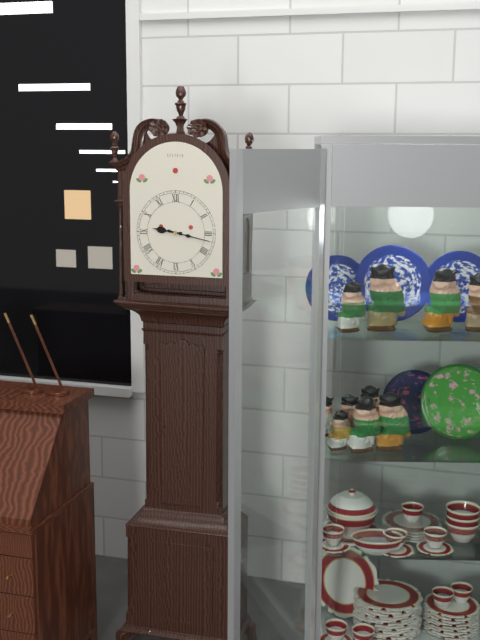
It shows {"hour": 9, "minute": 17}
